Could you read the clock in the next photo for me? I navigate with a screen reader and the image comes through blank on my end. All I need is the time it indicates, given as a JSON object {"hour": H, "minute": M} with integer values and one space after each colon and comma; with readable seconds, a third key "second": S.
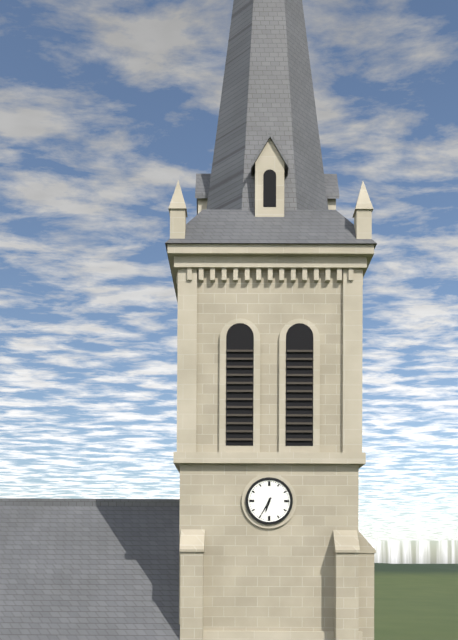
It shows {"hour": 6, "minute": 35}
